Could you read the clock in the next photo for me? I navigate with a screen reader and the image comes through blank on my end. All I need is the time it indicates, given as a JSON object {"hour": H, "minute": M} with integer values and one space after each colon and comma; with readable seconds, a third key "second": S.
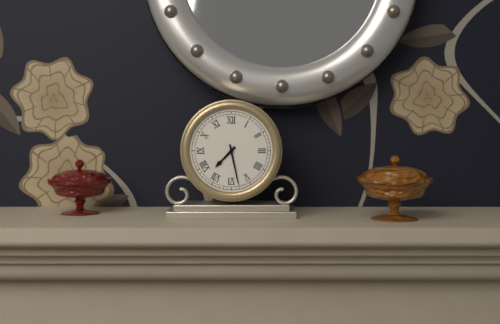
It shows {"hour": 7, "minute": 28}
